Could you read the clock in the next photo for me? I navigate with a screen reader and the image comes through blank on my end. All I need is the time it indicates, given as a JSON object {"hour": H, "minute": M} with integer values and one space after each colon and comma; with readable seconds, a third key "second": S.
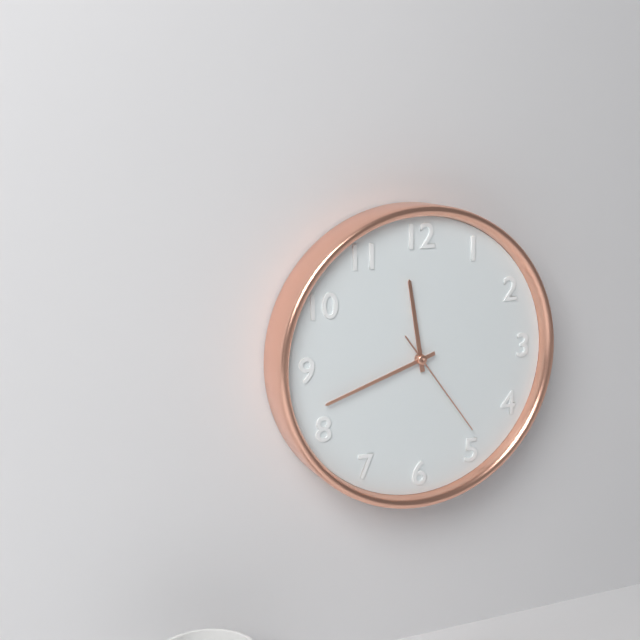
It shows {"hour": 11, "minute": 42, "second": 24}
